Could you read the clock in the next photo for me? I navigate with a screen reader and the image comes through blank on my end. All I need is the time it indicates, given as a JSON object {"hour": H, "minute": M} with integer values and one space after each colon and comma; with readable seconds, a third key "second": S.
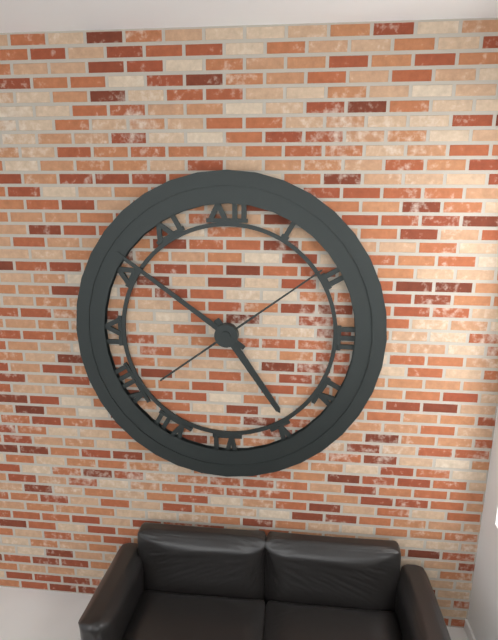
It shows {"hour": 4, "minute": 51, "second": 9}
